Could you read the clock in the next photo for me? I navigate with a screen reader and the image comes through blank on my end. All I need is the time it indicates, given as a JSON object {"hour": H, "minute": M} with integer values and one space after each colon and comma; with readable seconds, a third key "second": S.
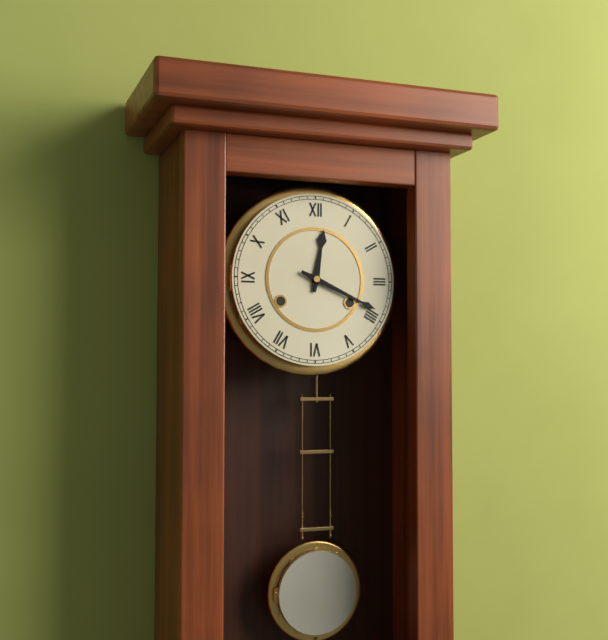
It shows {"hour": 12, "minute": 19}
